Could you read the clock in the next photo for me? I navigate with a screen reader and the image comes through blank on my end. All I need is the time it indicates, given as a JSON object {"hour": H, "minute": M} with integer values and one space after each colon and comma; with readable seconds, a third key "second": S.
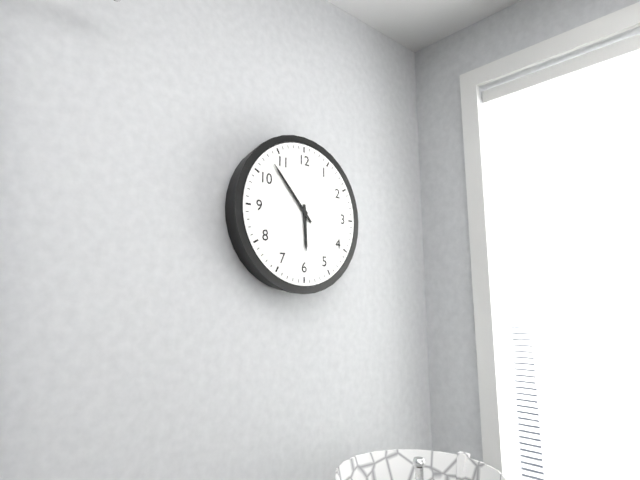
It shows {"hour": 5, "minute": 53}
